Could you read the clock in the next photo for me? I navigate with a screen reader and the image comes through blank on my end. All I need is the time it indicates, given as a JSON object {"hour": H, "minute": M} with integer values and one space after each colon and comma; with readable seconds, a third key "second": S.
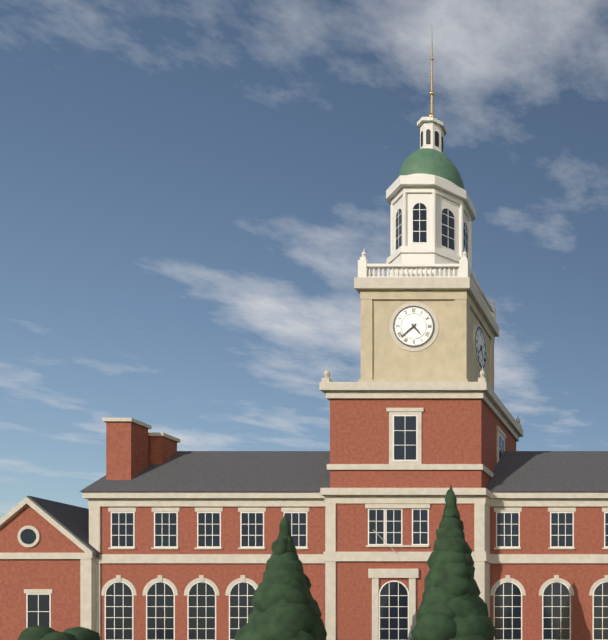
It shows {"hour": 4, "minute": 38}
